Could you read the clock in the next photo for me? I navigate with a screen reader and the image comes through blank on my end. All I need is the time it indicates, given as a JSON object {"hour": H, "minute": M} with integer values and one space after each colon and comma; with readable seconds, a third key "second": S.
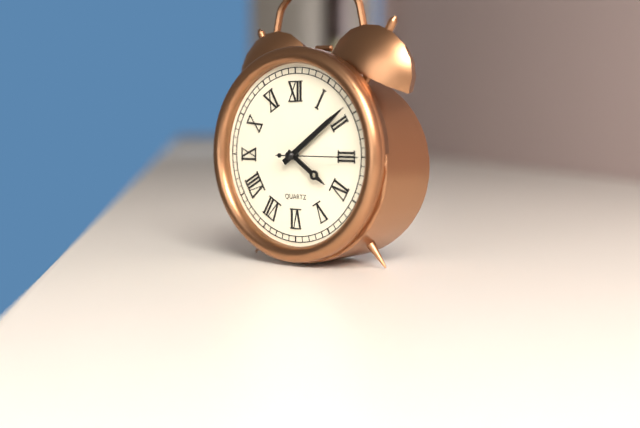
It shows {"hour": 4, "minute": 9, "second": 15}
